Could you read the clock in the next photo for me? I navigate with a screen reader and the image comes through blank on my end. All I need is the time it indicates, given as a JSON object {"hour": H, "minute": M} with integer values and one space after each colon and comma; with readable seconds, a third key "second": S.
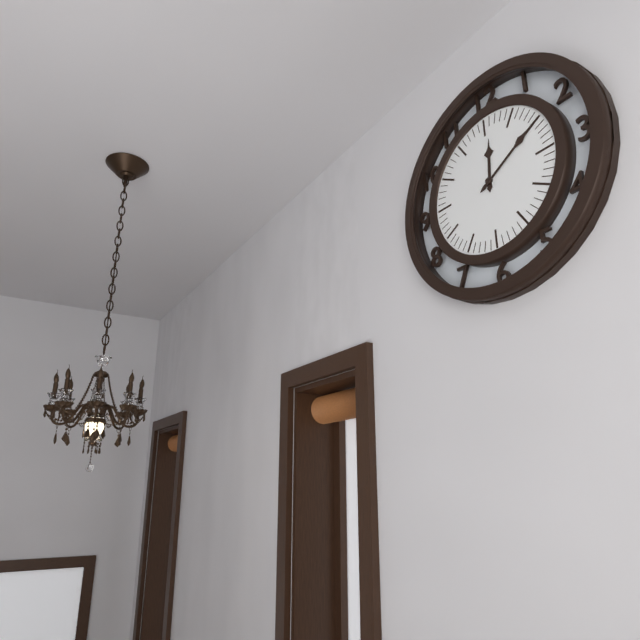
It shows {"hour": 12, "minute": 10}
